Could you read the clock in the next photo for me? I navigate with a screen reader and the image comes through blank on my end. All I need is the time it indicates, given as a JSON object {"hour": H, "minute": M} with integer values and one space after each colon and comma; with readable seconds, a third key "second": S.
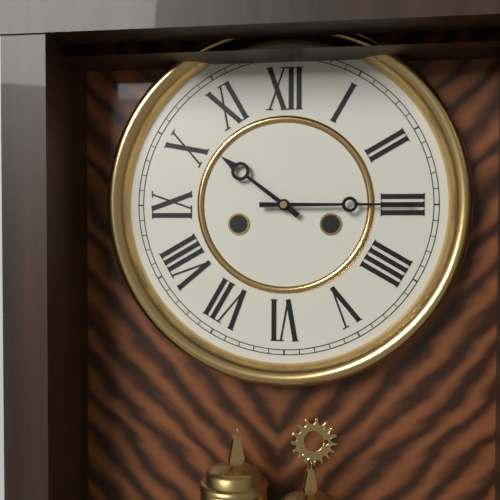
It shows {"hour": 10, "minute": 15}
